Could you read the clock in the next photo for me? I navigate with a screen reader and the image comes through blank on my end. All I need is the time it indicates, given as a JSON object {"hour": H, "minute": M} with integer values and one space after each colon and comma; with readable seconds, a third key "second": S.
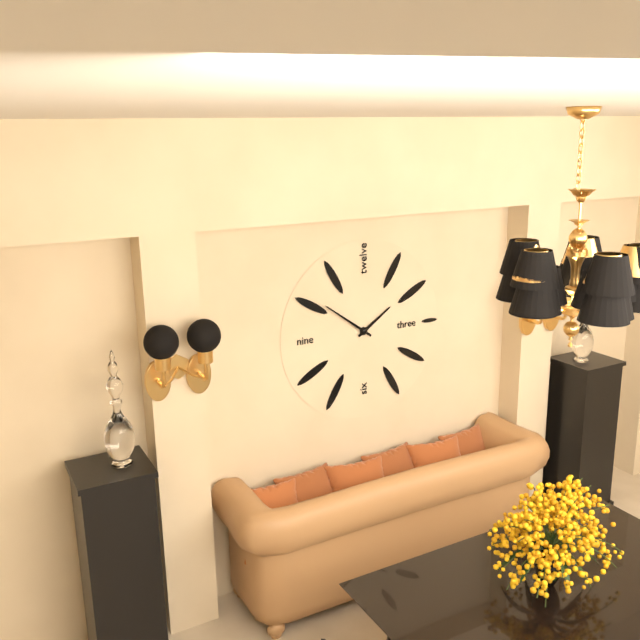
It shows {"hour": 1, "minute": 51}
